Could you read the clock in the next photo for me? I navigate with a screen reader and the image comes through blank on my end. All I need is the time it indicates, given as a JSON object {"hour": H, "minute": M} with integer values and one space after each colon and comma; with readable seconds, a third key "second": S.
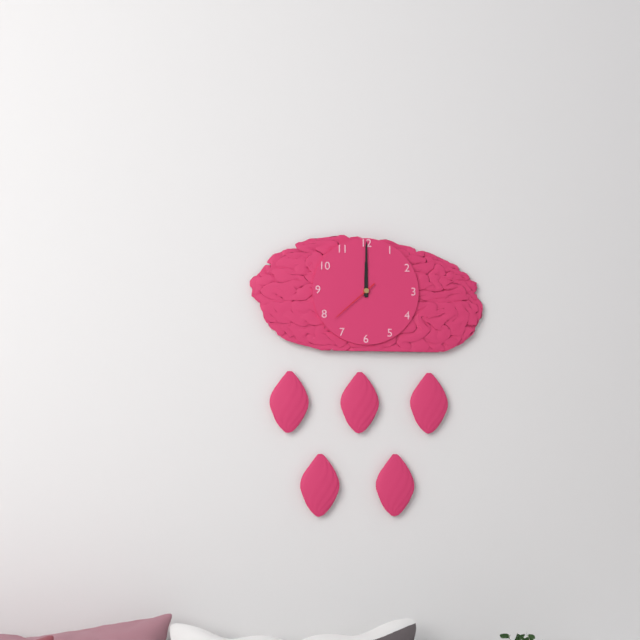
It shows {"hour": 12, "minute": 0, "second": 38}
